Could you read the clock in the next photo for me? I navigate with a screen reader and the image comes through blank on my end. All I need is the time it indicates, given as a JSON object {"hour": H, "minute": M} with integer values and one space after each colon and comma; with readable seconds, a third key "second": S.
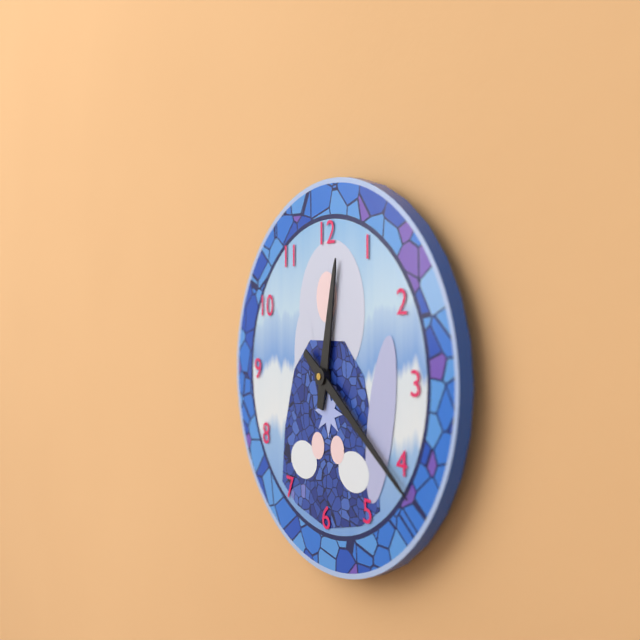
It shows {"hour": 12, "minute": 21}
